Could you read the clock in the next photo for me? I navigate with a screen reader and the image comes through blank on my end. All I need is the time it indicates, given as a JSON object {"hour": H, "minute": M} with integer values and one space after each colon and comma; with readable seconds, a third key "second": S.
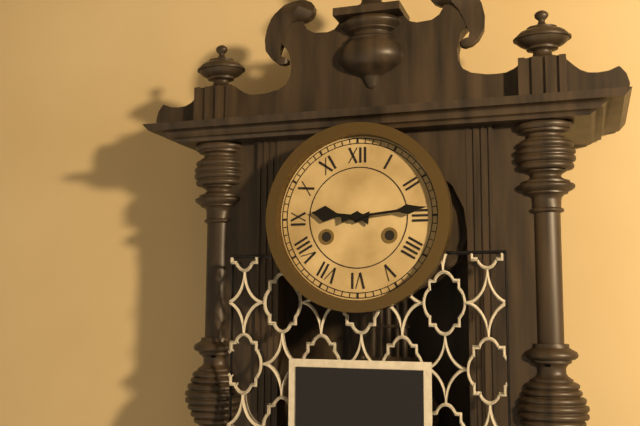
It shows {"hour": 9, "minute": 14}
